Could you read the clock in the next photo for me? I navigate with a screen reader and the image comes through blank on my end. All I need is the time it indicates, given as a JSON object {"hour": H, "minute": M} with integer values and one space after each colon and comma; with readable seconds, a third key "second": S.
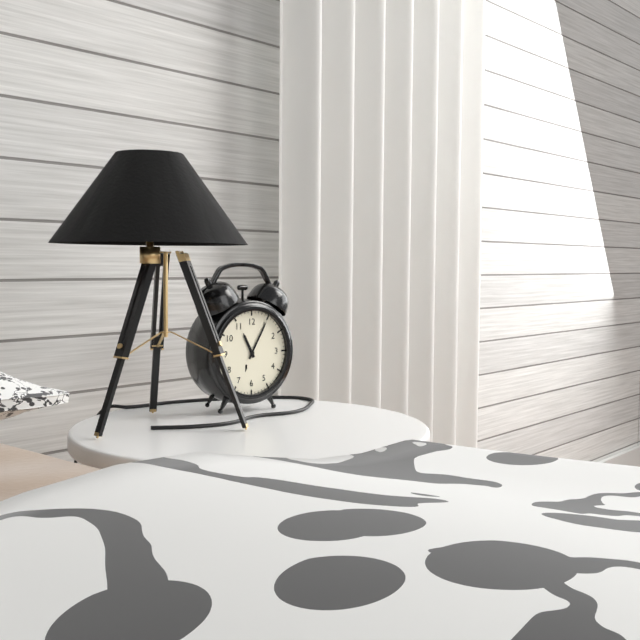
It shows {"hour": 11, "minute": 5}
